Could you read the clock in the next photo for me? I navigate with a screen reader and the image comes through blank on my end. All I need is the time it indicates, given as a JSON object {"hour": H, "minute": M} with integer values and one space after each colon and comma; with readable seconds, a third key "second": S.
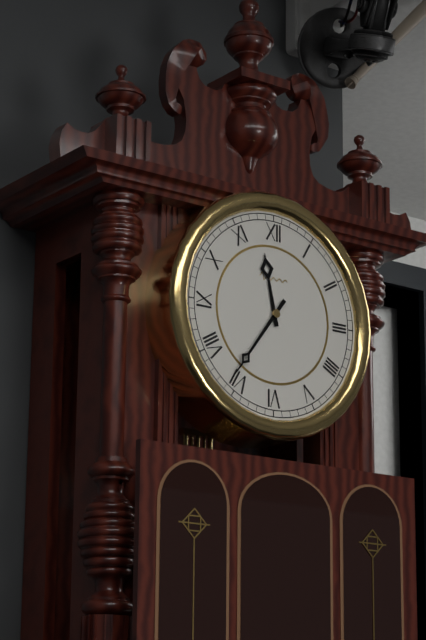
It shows {"hour": 11, "minute": 36}
